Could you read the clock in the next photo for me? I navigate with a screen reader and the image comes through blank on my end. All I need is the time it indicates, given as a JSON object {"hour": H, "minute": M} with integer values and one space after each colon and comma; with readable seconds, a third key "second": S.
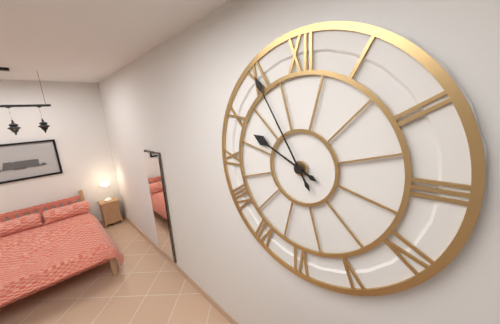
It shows {"hour": 9, "minute": 55}
